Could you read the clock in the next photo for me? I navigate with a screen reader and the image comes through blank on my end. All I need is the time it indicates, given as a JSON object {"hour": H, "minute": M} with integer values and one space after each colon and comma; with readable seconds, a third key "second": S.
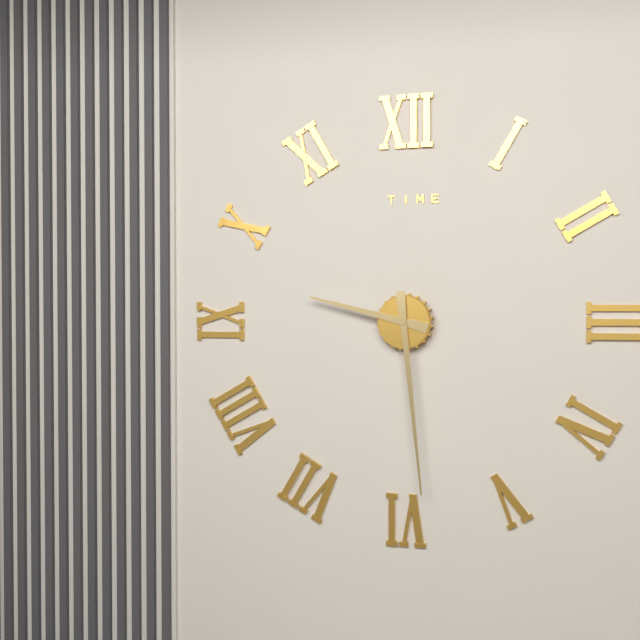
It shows {"hour": 9, "minute": 29}
